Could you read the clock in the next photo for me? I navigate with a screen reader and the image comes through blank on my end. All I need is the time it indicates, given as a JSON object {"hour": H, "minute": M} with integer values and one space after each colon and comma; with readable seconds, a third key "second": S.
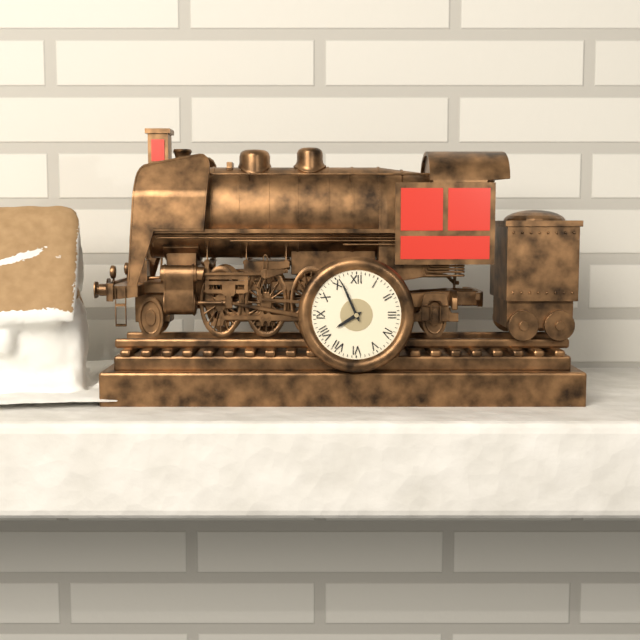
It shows {"hour": 7, "minute": 56}
